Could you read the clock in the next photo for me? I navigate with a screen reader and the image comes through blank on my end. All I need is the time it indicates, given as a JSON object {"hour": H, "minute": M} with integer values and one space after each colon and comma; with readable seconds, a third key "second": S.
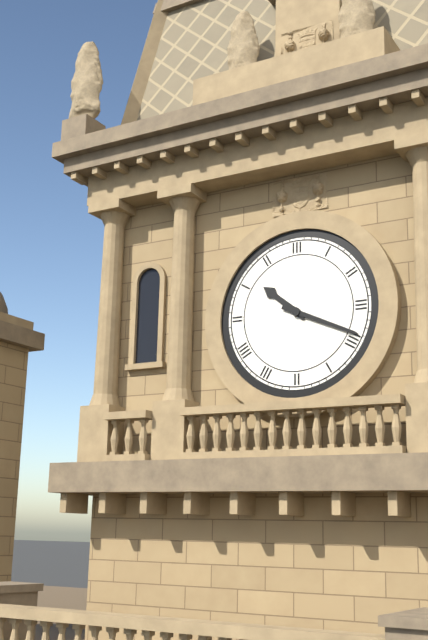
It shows {"hour": 10, "minute": 19}
